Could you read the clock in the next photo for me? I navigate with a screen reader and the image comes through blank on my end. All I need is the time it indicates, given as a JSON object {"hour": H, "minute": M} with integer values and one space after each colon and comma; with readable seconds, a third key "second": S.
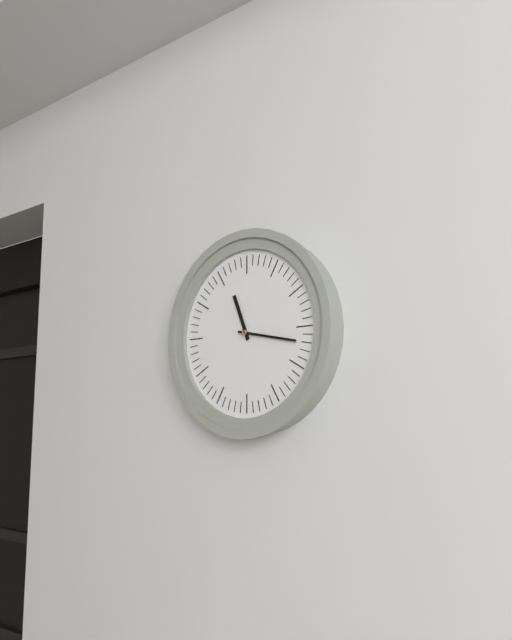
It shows {"hour": 11, "minute": 17}
